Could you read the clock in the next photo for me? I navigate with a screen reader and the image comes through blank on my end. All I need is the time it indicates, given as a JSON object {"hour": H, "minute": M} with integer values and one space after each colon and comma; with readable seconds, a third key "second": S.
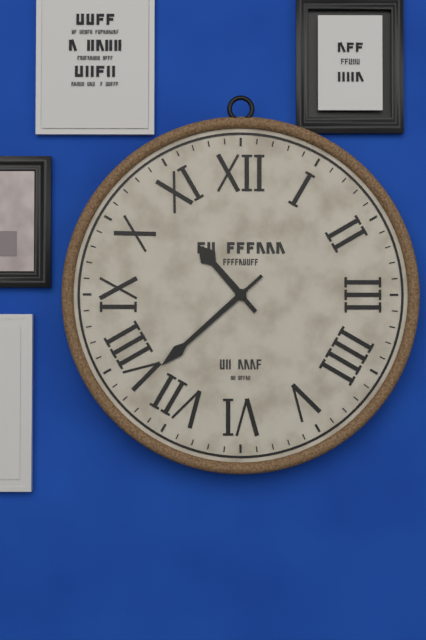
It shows {"hour": 10, "minute": 38}
